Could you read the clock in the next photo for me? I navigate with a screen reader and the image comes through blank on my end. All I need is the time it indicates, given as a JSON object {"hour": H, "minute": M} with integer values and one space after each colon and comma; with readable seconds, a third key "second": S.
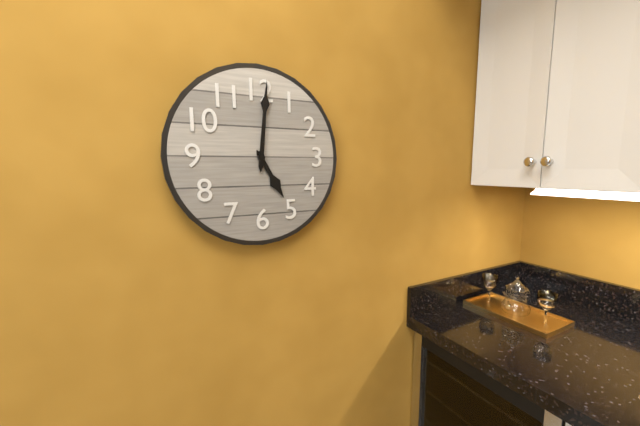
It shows {"hour": 5, "minute": 1}
